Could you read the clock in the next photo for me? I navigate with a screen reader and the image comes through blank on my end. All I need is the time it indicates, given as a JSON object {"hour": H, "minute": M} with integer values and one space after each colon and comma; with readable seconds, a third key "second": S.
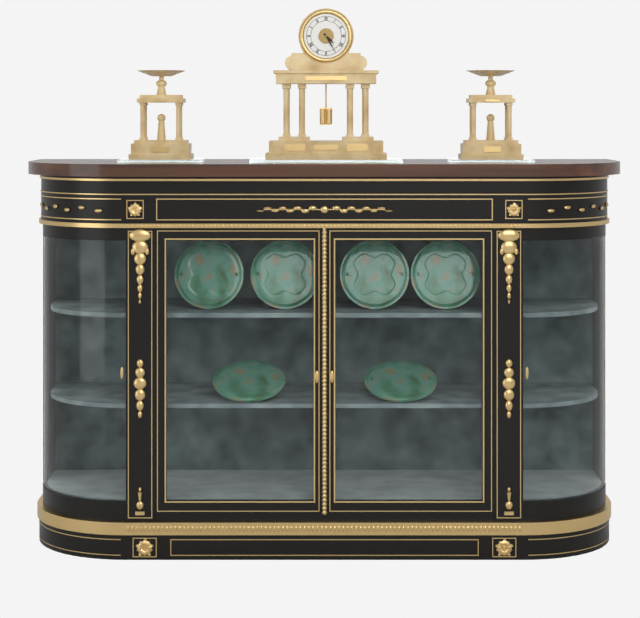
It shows {"hour": 4, "minute": 25}
